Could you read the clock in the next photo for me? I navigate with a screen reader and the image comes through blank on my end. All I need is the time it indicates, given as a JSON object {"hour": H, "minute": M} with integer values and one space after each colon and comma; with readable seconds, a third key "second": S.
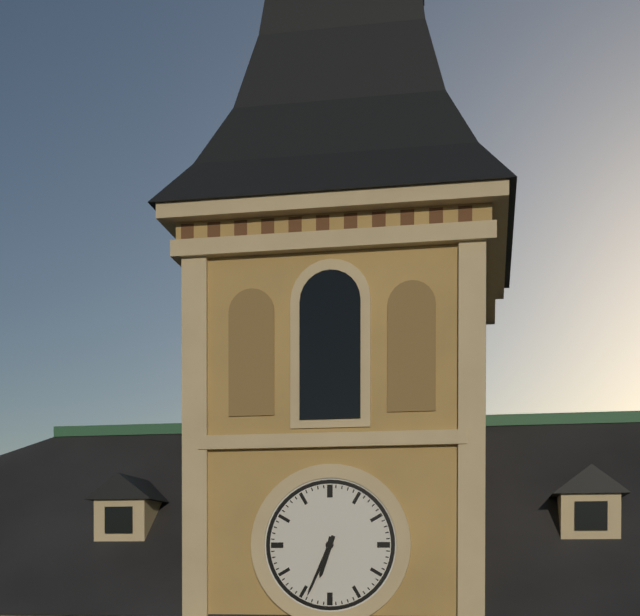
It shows {"hour": 6, "minute": 34}
